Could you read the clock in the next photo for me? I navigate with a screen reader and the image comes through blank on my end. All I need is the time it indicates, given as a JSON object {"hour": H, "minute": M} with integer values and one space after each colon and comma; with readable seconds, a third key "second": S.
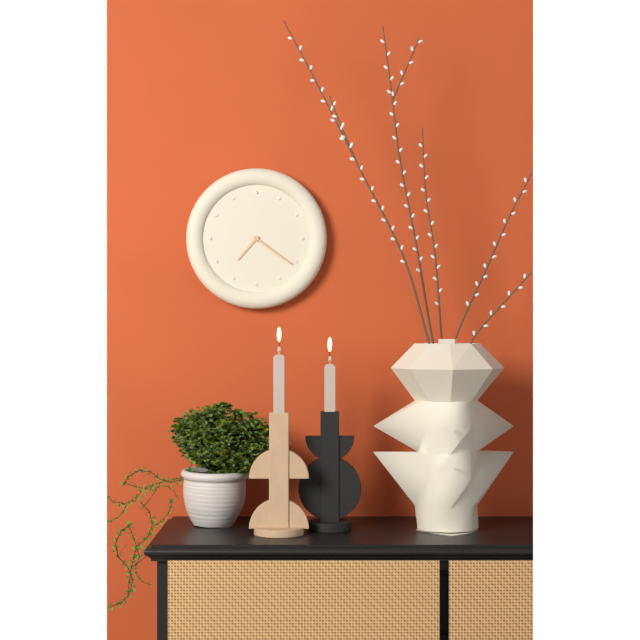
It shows {"hour": 7, "minute": 21}
